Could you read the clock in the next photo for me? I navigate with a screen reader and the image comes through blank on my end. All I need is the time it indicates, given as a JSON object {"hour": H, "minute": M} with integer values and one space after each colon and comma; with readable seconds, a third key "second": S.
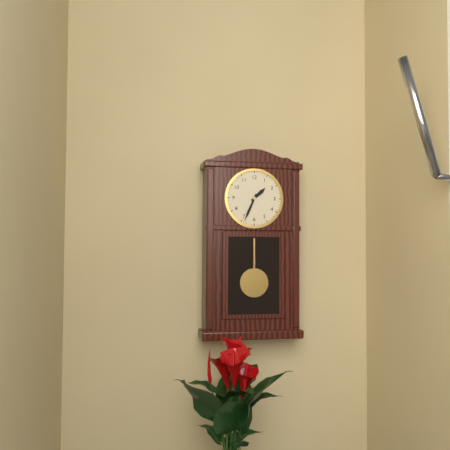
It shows {"hour": 1, "minute": 34}
